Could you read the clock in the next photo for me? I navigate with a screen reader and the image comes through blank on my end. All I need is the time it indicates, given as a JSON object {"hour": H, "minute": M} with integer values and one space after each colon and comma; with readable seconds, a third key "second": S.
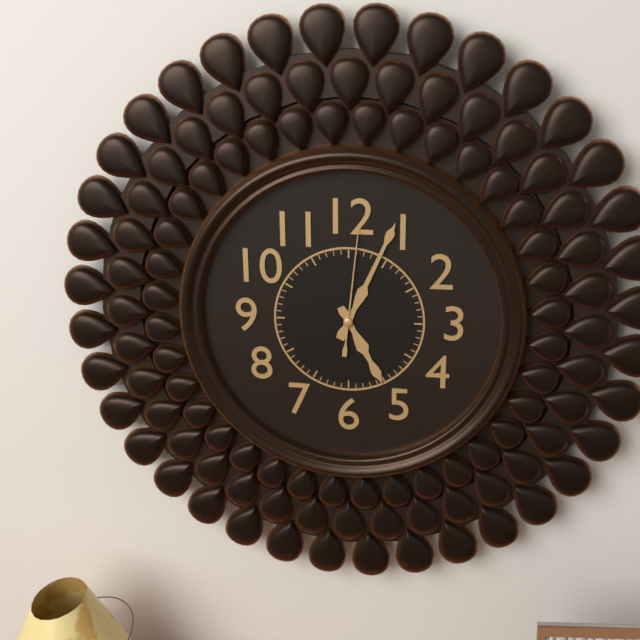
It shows {"hour": 5, "minute": 4, "second": 1}
